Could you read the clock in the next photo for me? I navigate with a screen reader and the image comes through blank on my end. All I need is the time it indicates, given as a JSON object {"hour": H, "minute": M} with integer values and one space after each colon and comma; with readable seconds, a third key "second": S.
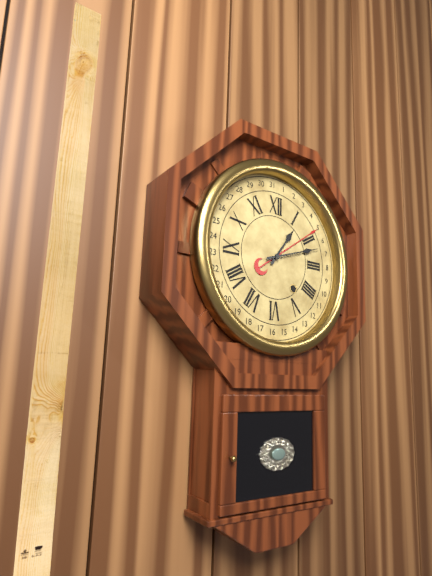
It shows {"hour": 1, "minute": 12}
